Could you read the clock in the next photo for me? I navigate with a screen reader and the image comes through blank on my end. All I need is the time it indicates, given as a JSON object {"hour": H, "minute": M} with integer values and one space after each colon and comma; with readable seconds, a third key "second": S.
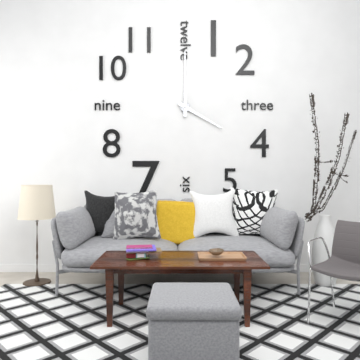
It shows {"hour": 4, "minute": 0}
